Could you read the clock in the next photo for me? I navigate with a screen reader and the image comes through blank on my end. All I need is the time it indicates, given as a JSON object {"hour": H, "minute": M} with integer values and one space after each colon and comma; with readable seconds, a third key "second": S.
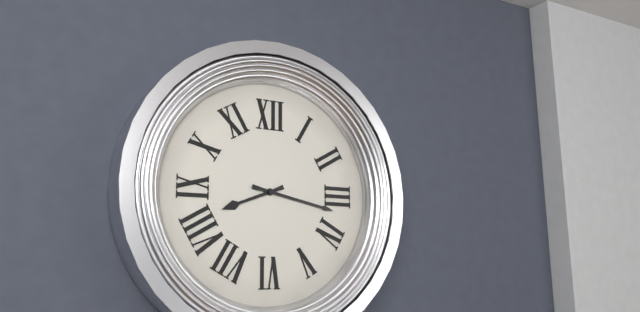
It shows {"hour": 8, "minute": 17}
